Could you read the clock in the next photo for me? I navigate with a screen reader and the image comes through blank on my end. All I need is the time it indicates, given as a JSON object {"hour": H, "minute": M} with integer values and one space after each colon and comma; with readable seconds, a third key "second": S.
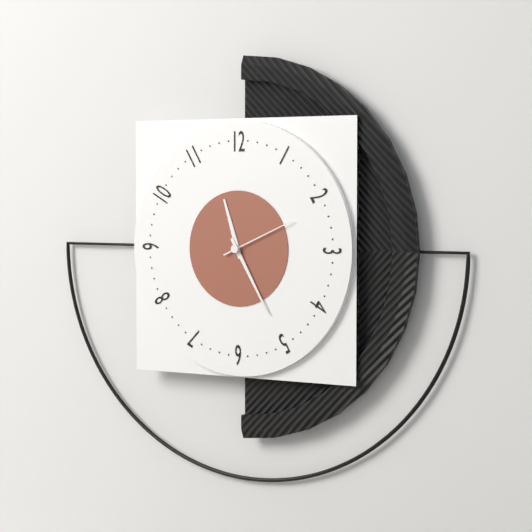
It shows {"hour": 11, "minute": 25, "second": 11}
